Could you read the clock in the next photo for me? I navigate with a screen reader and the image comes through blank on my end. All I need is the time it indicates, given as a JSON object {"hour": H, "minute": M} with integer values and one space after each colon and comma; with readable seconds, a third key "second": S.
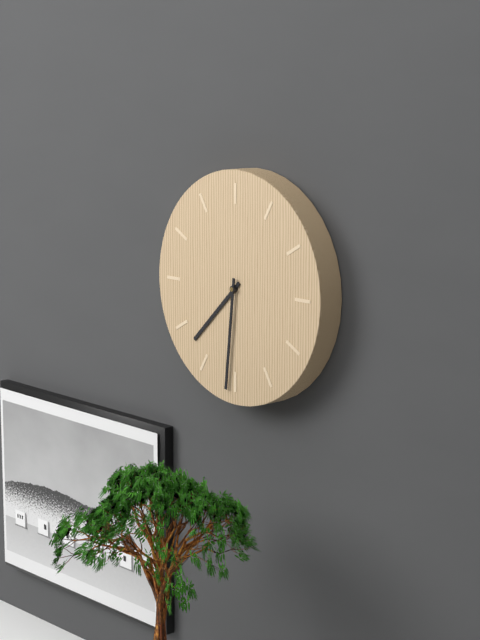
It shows {"hour": 7, "minute": 31}
